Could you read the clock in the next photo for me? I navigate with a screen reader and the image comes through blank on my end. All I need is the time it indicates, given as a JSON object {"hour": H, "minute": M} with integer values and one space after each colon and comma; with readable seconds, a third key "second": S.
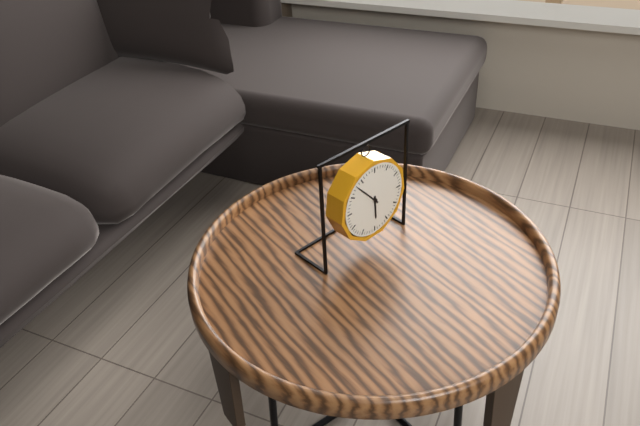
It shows {"hour": 5, "minute": 53}
